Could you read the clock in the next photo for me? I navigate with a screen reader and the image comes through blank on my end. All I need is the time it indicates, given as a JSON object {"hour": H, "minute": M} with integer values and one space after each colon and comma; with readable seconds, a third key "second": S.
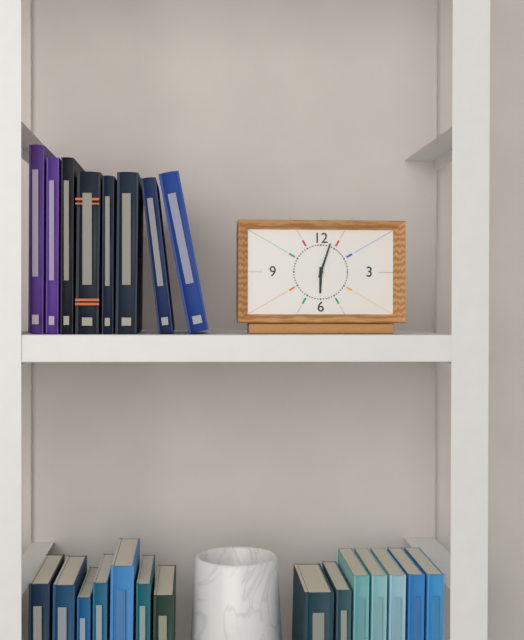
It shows {"hour": 6, "minute": 3}
